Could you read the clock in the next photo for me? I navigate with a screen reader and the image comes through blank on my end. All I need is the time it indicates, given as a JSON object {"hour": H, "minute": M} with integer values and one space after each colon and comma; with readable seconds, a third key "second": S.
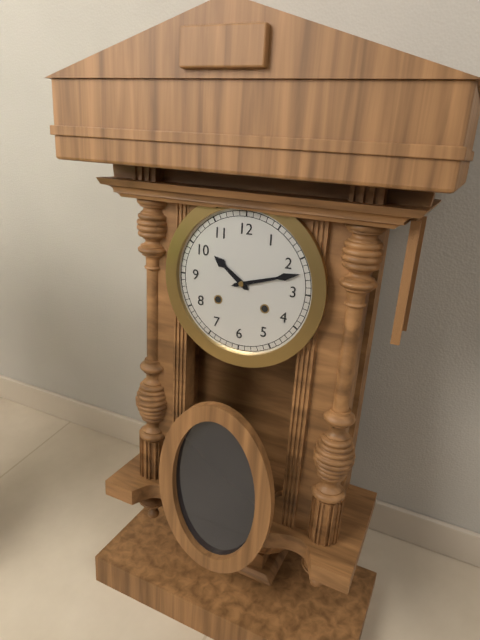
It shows {"hour": 10, "minute": 12}
